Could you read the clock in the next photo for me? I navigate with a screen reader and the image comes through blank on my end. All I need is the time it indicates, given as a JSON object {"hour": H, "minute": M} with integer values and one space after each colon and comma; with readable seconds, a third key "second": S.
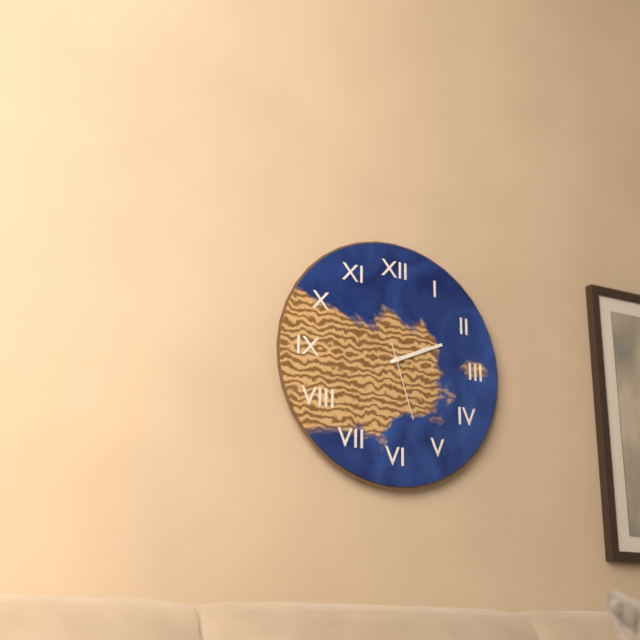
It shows {"hour": 2, "minute": 11, "second": 27}
